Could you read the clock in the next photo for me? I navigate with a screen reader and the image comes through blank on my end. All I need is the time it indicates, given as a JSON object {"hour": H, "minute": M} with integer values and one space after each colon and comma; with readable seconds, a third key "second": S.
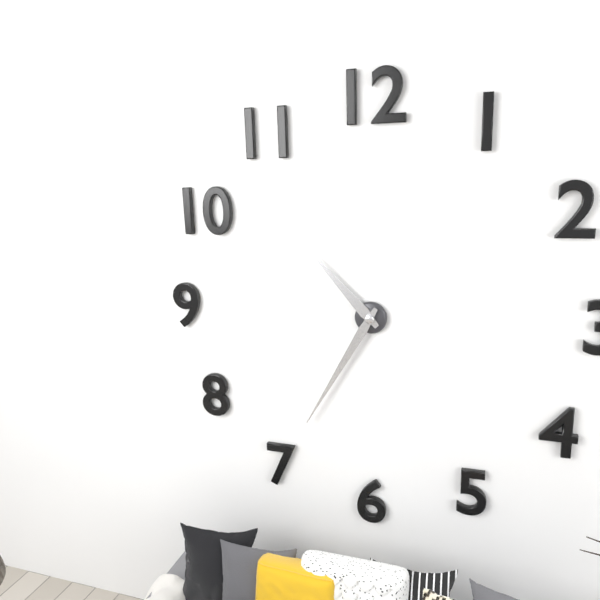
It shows {"hour": 10, "minute": 35}
